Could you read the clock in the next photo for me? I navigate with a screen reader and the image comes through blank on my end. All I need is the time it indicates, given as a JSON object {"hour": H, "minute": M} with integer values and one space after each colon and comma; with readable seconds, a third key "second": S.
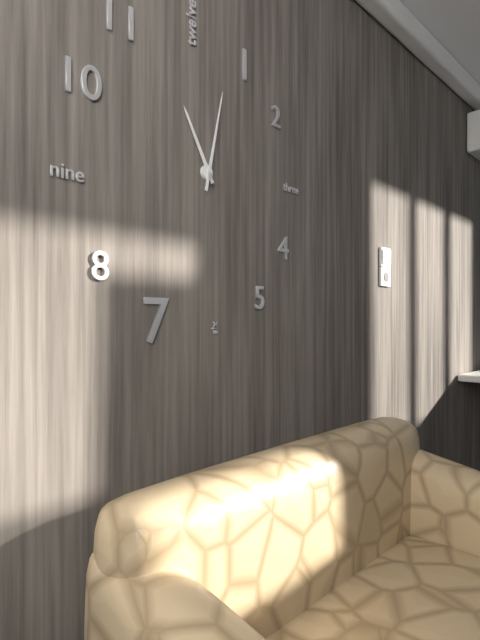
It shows {"hour": 11, "minute": 2}
